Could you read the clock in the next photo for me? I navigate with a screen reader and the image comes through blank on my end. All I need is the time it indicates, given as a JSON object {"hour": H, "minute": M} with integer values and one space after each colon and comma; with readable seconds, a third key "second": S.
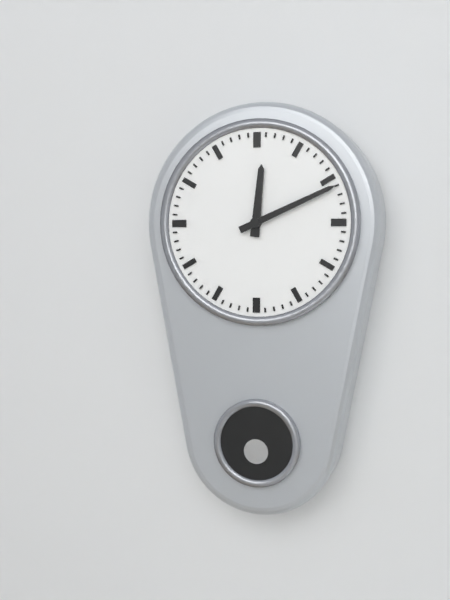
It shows {"hour": 12, "minute": 11}
